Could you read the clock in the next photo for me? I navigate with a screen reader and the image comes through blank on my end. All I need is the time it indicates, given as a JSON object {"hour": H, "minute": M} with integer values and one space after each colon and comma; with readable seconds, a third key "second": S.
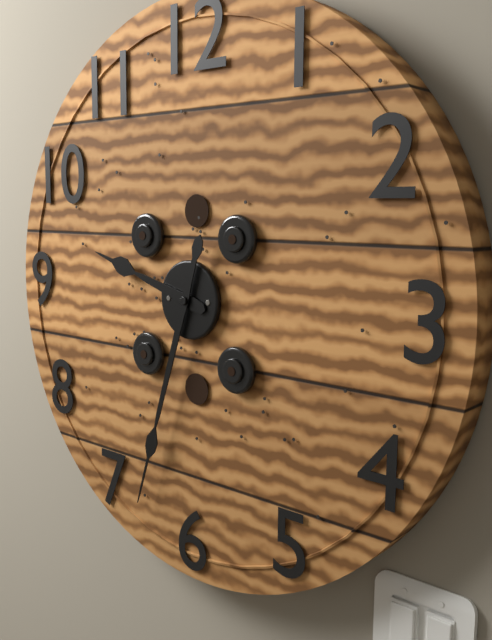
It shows {"hour": 9, "minute": 33}
